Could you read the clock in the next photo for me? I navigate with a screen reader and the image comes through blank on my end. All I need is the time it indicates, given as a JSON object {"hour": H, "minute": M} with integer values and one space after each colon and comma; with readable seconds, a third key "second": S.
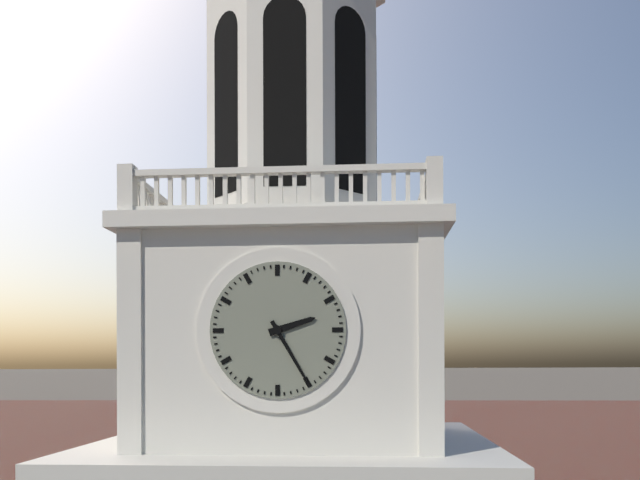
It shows {"hour": 2, "minute": 25}
